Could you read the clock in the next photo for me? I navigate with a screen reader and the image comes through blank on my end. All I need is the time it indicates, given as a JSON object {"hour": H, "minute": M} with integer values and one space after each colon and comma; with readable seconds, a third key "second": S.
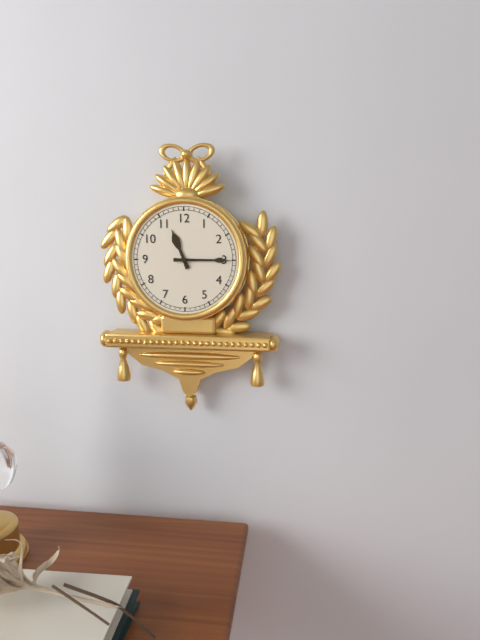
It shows {"hour": 11, "minute": 15}
